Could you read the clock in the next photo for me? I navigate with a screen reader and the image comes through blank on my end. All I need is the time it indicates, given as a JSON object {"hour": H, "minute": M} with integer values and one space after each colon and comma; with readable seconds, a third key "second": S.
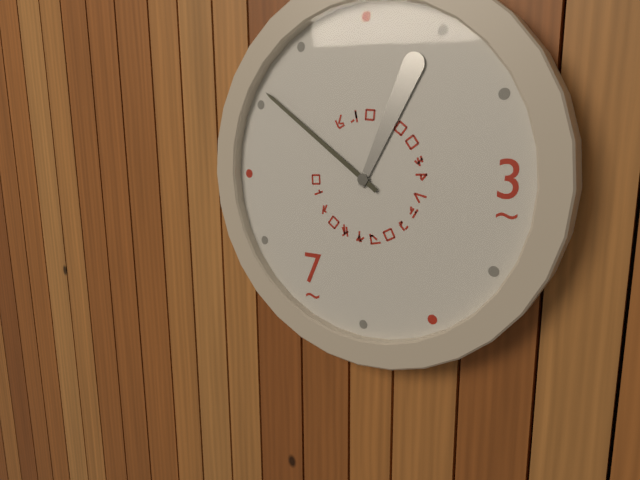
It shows {"hour": 12, "minute": 51}
